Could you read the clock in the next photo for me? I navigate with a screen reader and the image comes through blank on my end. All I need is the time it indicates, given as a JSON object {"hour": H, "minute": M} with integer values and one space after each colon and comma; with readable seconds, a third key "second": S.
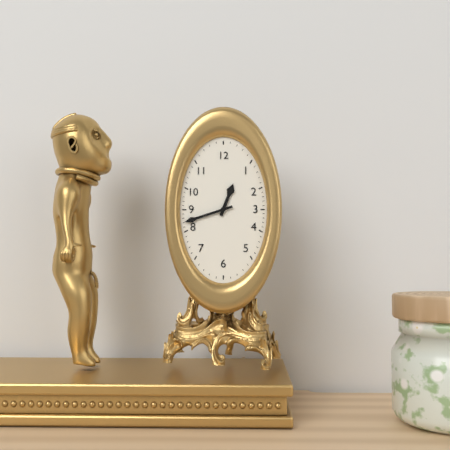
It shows {"hour": 12, "minute": 42}
